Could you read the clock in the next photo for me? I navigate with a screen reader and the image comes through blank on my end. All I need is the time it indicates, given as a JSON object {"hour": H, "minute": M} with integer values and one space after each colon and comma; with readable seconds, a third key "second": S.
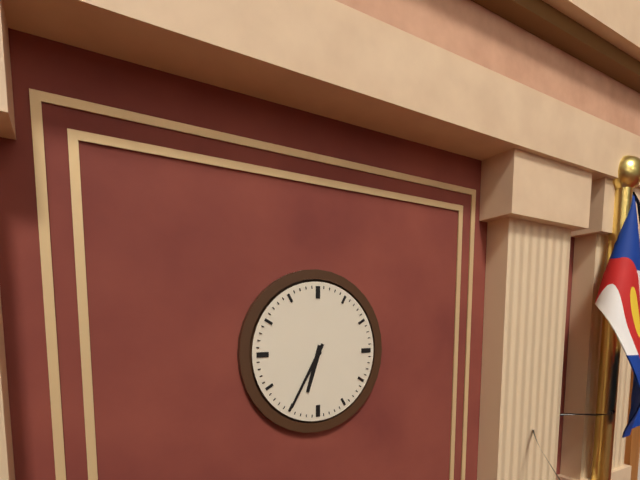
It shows {"hour": 6, "minute": 35}
